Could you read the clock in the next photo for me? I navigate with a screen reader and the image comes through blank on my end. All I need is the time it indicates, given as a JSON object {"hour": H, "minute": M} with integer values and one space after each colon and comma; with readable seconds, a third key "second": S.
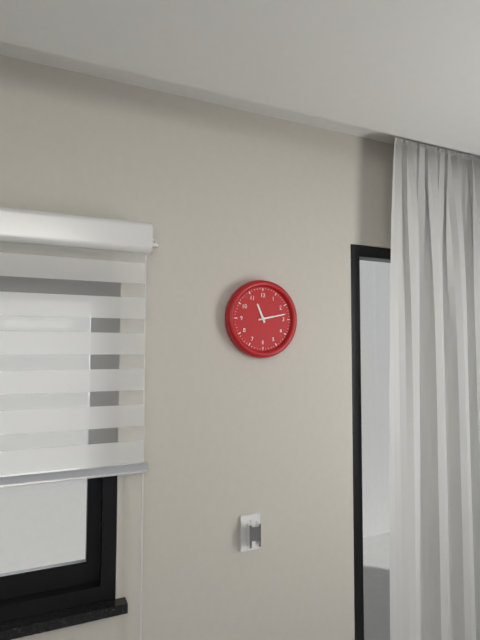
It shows {"hour": 11, "minute": 13}
